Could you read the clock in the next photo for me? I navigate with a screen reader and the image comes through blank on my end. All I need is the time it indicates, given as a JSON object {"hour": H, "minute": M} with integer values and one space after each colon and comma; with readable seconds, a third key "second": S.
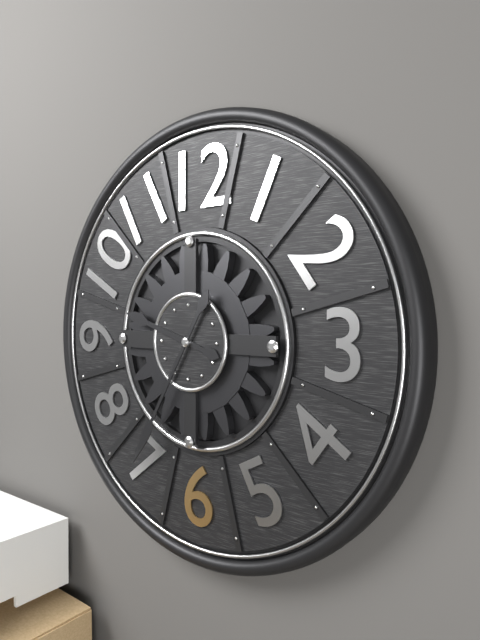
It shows {"hour": 9, "minute": 35}
